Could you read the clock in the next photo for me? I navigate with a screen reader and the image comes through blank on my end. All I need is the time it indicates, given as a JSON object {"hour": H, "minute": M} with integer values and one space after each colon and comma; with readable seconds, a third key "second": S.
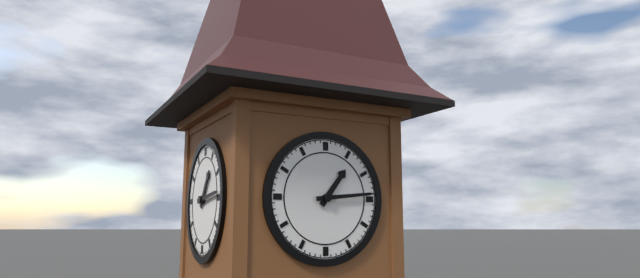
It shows {"hour": 1, "minute": 14}
